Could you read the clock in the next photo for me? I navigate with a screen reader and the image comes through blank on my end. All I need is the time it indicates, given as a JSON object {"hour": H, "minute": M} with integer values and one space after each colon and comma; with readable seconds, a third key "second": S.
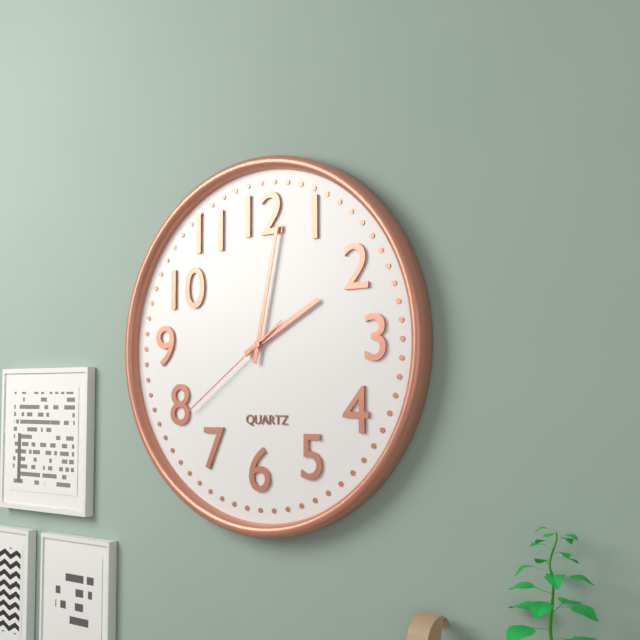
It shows {"hour": 2, "minute": 2, "second": 39}
